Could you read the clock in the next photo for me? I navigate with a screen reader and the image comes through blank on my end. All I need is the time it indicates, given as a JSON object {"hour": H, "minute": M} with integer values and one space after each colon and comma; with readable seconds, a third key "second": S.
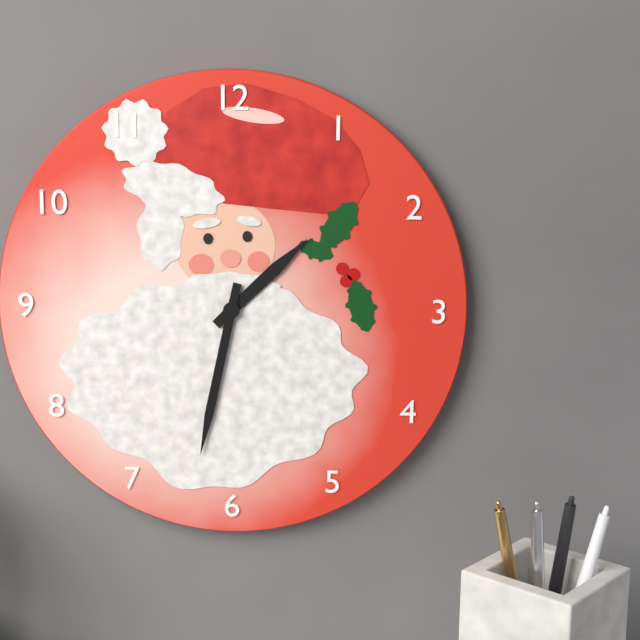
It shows {"hour": 1, "minute": 32}
